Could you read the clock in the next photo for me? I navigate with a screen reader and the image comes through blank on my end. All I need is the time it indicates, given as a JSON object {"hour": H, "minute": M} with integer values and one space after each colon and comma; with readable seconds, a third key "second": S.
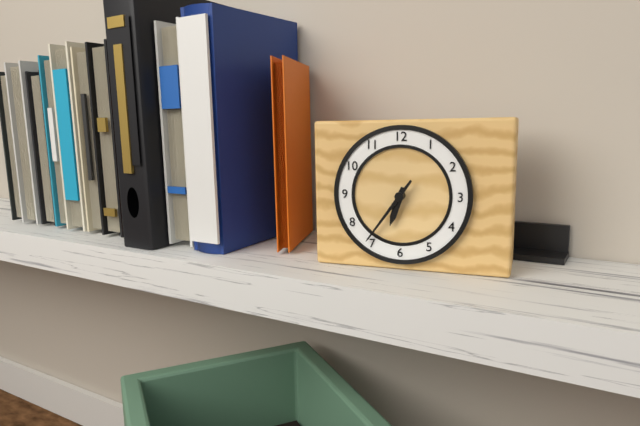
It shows {"hour": 6, "minute": 36}
